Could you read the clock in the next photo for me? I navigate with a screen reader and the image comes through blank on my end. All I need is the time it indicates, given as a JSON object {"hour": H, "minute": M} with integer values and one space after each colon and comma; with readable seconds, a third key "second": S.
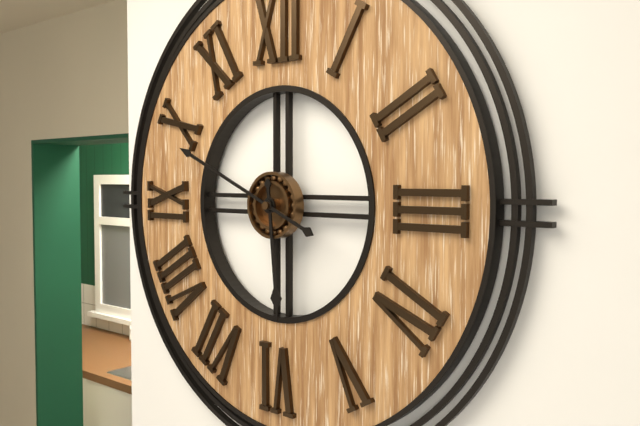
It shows {"hour": 5, "minute": 49}
